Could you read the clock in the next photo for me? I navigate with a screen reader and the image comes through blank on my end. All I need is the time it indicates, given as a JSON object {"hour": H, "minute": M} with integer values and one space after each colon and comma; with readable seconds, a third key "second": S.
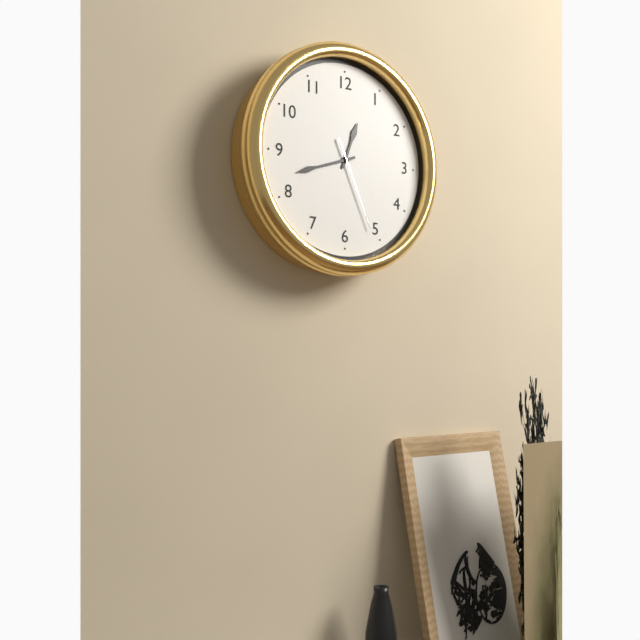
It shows {"hour": 12, "minute": 42, "second": 26}
